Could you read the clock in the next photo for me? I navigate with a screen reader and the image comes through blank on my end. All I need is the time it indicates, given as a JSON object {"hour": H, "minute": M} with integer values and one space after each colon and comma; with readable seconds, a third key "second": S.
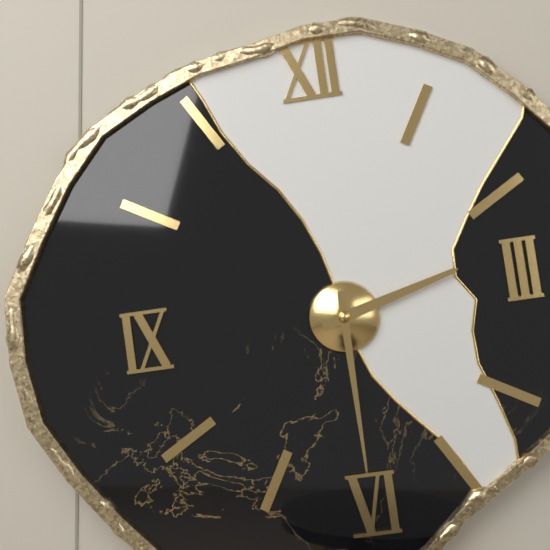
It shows {"hour": 2, "minute": 30}
